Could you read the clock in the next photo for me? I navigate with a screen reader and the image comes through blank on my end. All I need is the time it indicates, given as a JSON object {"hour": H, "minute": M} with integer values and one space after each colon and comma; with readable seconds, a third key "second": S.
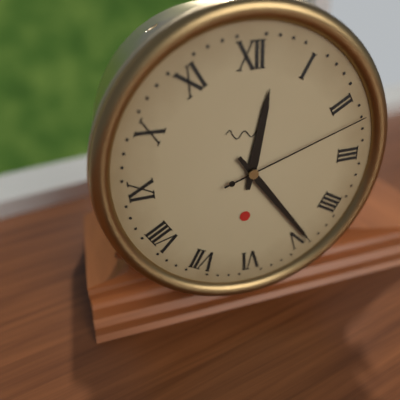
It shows {"hour": 12, "minute": 24, "second": 12}
